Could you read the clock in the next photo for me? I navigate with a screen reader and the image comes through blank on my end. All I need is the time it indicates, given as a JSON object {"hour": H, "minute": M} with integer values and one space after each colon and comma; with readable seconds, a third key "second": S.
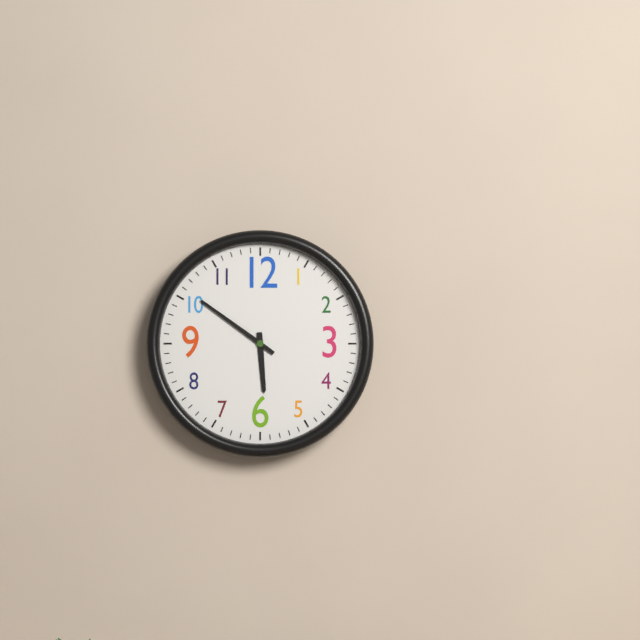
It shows {"hour": 5, "minute": 51}
